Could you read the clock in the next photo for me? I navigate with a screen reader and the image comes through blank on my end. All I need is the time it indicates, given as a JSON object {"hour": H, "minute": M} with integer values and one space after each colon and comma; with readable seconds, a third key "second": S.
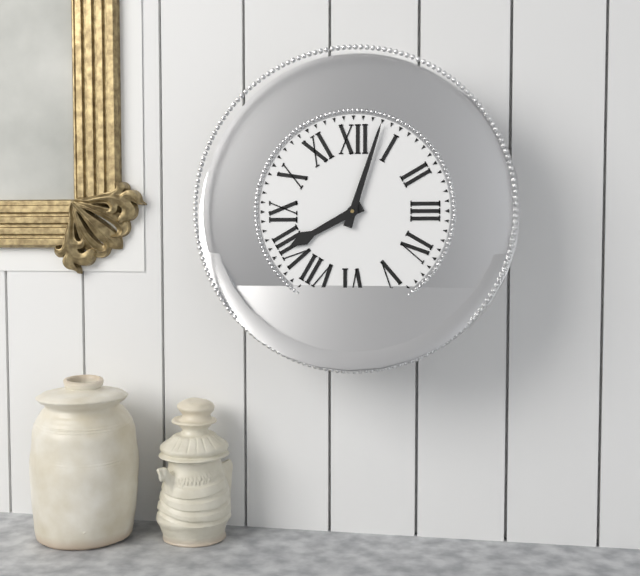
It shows {"hour": 8, "minute": 3}
